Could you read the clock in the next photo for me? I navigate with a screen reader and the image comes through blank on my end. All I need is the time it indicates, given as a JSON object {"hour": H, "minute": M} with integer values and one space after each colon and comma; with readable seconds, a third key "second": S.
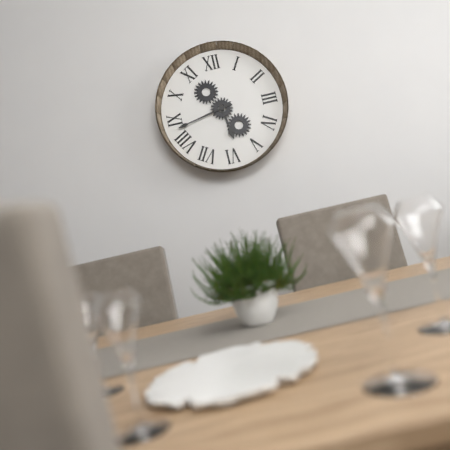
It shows {"hour": 5, "minute": 43}
